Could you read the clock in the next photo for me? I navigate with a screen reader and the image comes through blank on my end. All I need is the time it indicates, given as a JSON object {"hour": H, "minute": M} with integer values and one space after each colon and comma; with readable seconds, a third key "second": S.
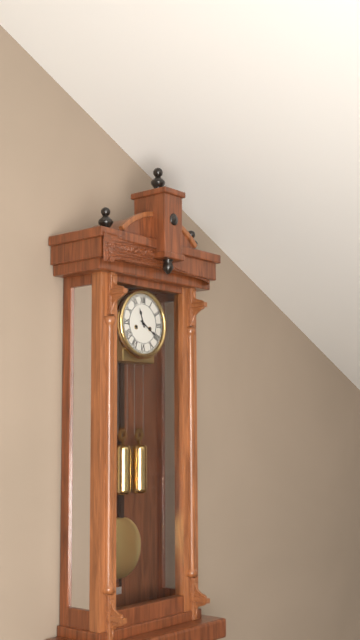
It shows {"hour": 11, "minute": 20}
